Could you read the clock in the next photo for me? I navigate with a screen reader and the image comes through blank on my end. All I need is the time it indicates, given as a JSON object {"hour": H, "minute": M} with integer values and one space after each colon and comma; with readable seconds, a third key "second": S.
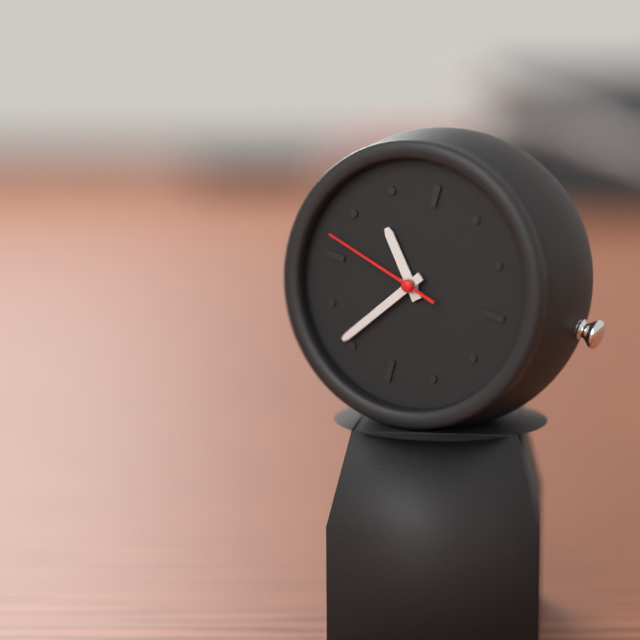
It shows {"hour": 10, "minute": 36, "second": 47}
